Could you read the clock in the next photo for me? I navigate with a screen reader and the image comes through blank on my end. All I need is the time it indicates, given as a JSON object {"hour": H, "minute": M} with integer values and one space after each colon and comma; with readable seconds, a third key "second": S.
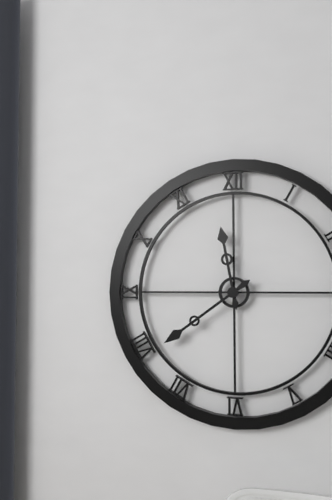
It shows {"hour": 11, "minute": 39}
